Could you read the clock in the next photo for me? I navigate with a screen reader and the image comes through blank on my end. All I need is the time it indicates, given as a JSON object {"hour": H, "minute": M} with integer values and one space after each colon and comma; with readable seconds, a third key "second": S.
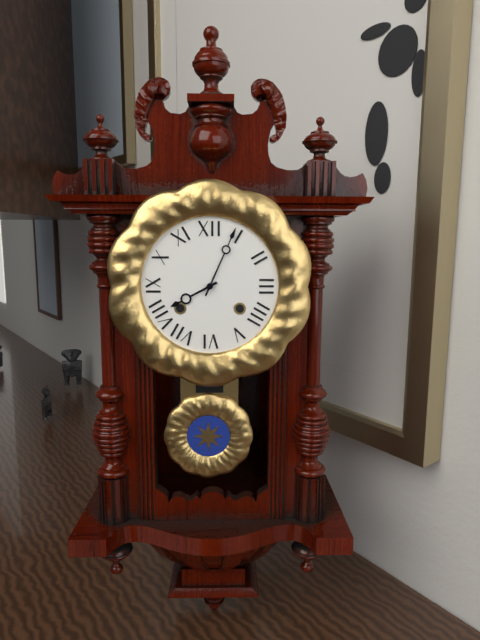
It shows {"hour": 8, "minute": 4}
